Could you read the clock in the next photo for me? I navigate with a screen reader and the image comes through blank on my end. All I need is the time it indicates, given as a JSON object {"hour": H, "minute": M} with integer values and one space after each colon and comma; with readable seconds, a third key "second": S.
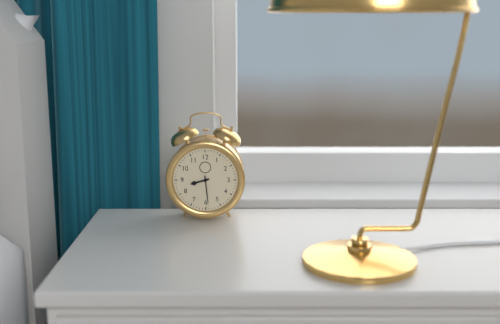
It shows {"hour": 8, "minute": 29}
